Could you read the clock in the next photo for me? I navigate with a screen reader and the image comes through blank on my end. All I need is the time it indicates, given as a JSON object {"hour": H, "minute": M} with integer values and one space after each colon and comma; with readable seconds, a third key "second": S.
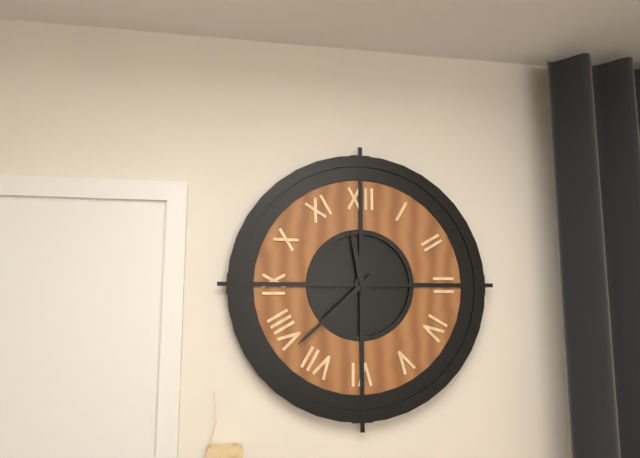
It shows {"hour": 11, "minute": 38}
